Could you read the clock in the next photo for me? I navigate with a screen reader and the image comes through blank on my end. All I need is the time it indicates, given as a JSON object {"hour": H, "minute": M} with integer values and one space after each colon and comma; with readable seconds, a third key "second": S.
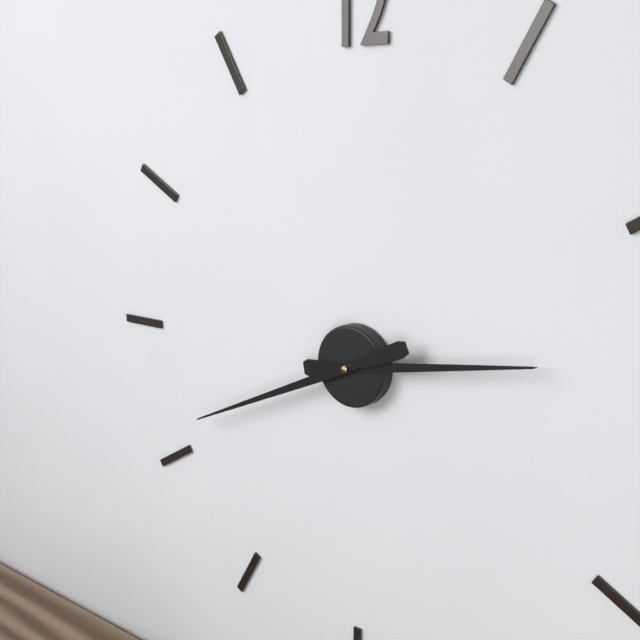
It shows {"hour": 2, "minute": 41}
